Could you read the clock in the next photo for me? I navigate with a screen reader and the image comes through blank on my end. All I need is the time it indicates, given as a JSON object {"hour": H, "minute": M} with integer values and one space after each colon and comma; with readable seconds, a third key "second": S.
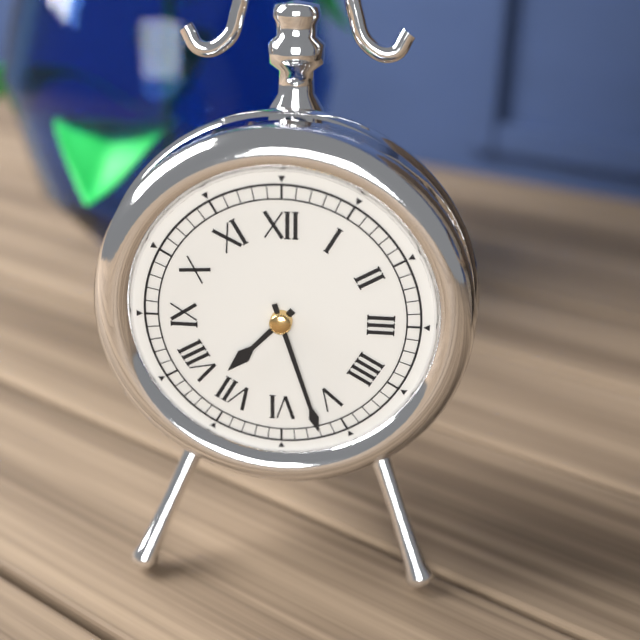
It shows {"hour": 7, "minute": 27}
